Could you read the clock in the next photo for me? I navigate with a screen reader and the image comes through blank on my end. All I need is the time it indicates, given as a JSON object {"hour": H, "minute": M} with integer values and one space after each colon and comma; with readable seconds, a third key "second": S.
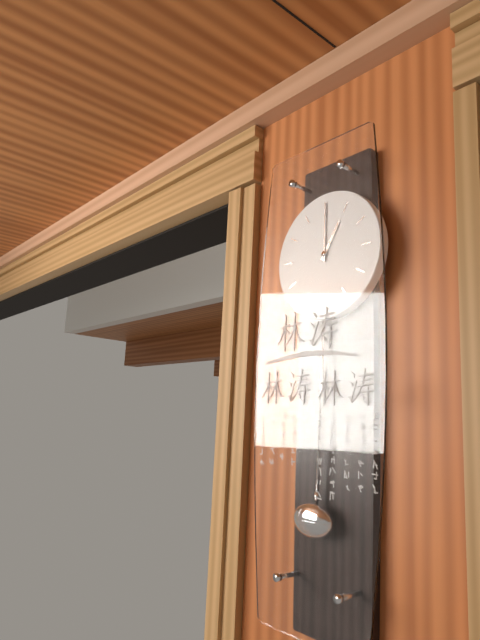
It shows {"hour": 1, "minute": 0}
